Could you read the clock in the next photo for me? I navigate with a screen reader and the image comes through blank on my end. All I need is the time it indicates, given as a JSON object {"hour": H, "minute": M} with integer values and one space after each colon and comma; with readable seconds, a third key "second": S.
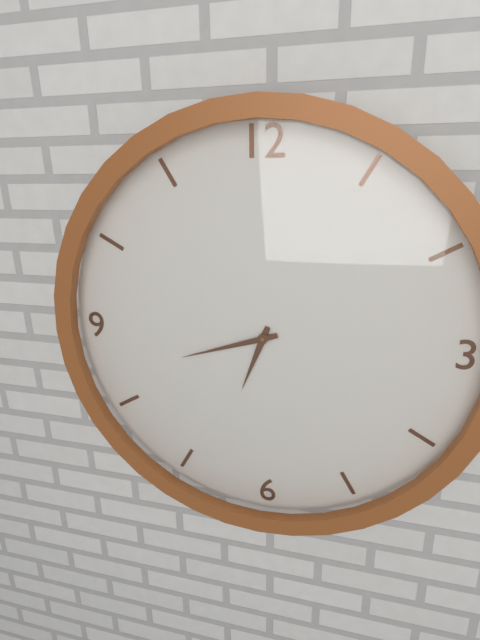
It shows {"hour": 6, "minute": 42}
